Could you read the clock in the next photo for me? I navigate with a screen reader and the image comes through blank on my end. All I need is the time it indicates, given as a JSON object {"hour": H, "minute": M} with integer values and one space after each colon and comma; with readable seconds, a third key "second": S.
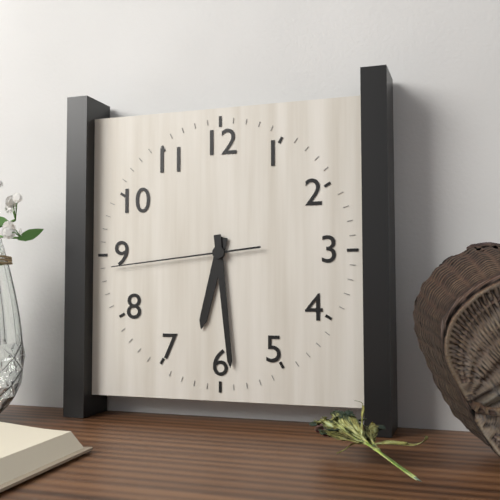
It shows {"hour": 6, "minute": 29, "second": 44}
